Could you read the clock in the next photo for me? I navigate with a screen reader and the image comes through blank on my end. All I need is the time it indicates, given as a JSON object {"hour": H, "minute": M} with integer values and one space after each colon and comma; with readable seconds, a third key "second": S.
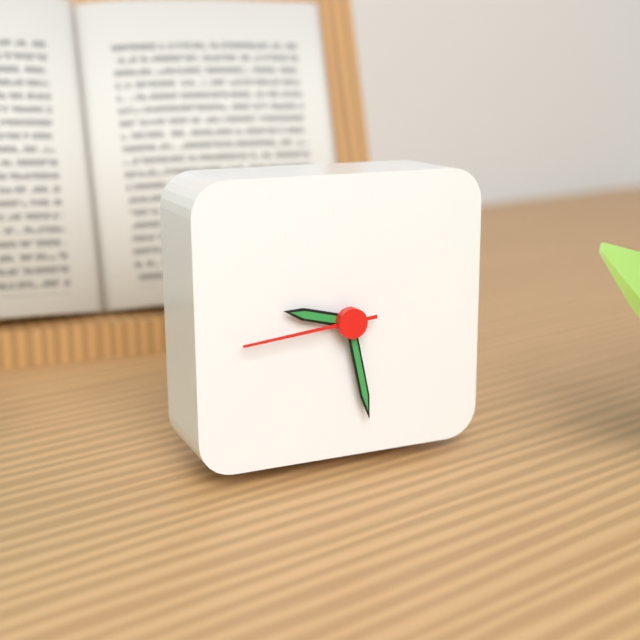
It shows {"hour": 9, "minute": 28, "second": 44}
